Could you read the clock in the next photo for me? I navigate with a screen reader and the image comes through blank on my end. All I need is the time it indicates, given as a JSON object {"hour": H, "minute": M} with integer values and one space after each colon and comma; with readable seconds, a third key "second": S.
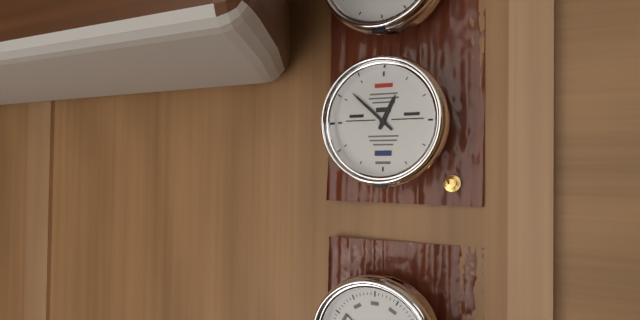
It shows {"hour": 12, "minute": 52}
